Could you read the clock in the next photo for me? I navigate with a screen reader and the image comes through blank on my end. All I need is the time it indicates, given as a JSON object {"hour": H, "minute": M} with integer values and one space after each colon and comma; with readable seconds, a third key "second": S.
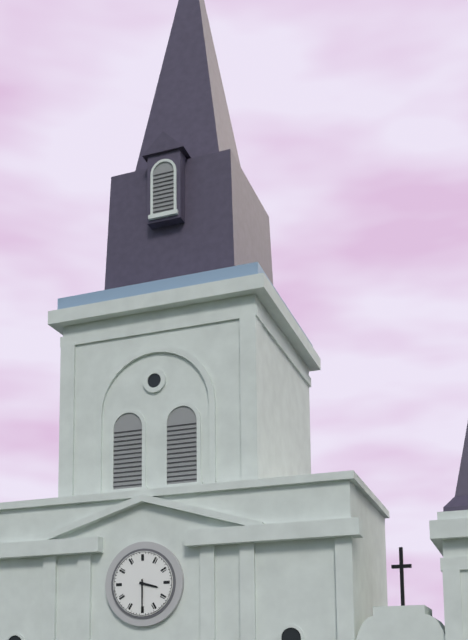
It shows {"hour": 3, "minute": 30}
